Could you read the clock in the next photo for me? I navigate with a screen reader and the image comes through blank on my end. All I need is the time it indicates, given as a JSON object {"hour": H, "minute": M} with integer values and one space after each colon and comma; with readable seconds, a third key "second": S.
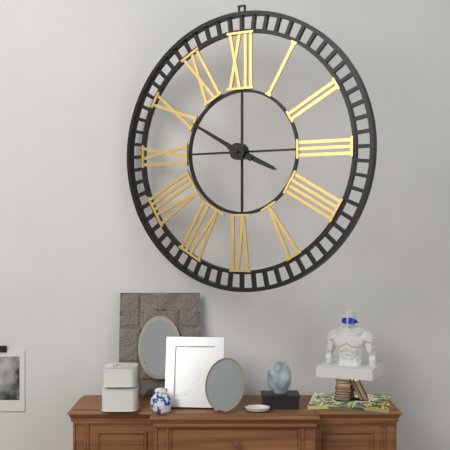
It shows {"hour": 3, "minute": 50}
